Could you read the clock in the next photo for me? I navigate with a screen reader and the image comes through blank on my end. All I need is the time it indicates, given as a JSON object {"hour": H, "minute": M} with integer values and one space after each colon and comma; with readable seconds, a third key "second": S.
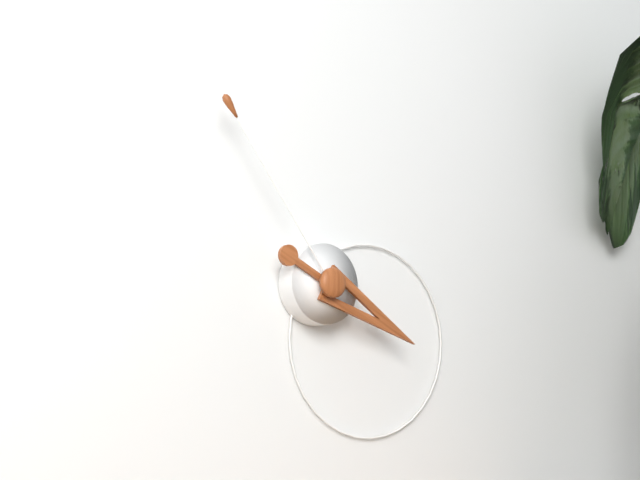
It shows {"hour": 3, "minute": 54}
